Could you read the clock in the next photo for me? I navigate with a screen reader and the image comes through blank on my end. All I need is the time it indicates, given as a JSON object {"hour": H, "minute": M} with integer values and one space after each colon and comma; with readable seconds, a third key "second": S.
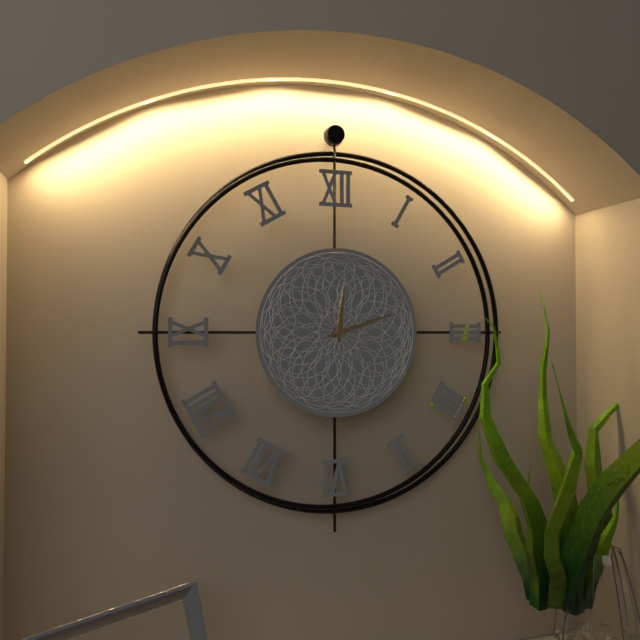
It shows {"hour": 12, "minute": 12}
